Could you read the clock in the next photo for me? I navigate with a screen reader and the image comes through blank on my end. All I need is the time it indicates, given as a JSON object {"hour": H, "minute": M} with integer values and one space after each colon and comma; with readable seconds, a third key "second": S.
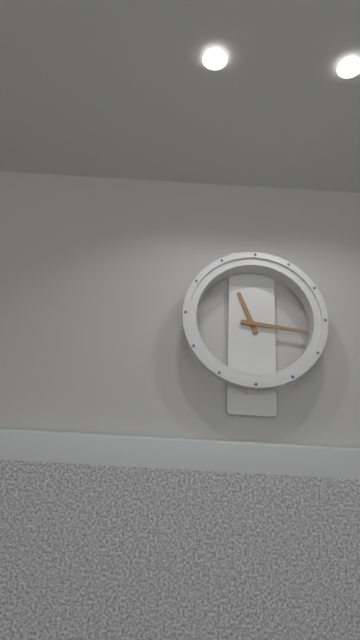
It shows {"hour": 11, "minute": 16}
